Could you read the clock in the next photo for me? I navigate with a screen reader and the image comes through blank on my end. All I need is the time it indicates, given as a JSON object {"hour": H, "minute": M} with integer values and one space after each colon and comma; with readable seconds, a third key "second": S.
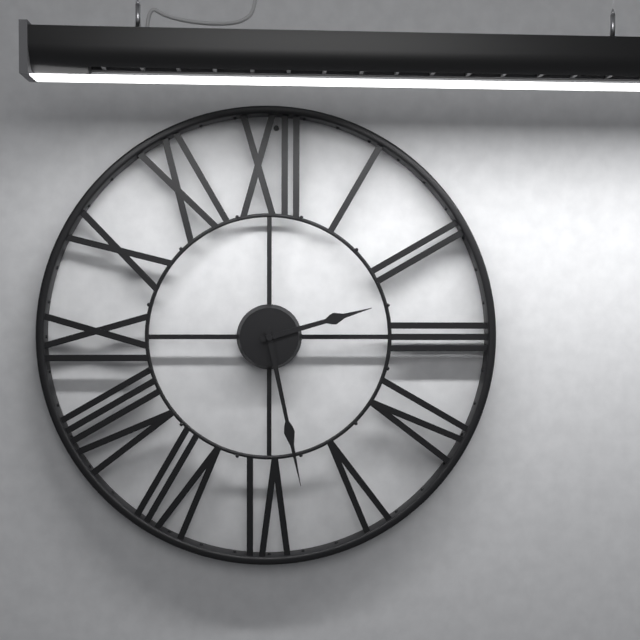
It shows {"hour": 2, "minute": 28}
